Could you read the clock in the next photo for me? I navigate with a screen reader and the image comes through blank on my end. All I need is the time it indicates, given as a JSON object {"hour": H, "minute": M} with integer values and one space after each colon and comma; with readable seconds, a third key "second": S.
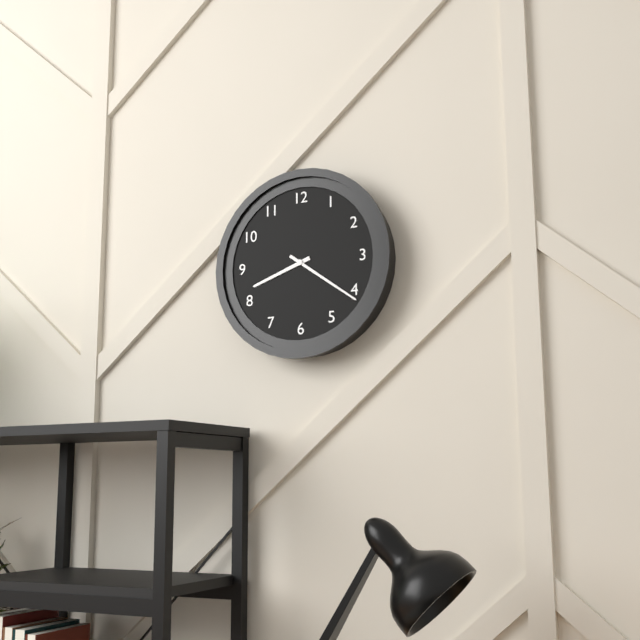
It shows {"hour": 8, "minute": 21}
